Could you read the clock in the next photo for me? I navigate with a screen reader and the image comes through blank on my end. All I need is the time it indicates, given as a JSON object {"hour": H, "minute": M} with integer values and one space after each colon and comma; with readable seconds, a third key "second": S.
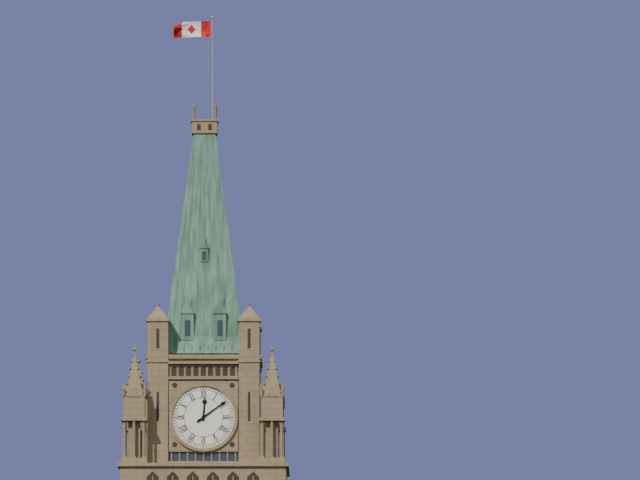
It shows {"hour": 12, "minute": 9}
